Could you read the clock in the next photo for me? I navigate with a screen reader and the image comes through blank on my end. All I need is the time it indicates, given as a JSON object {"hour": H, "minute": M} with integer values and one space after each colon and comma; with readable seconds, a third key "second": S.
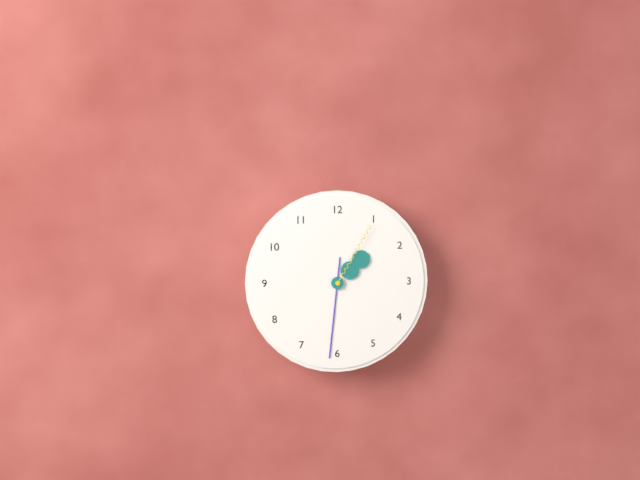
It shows {"hour": 1, "minute": 31, "second": 5}
